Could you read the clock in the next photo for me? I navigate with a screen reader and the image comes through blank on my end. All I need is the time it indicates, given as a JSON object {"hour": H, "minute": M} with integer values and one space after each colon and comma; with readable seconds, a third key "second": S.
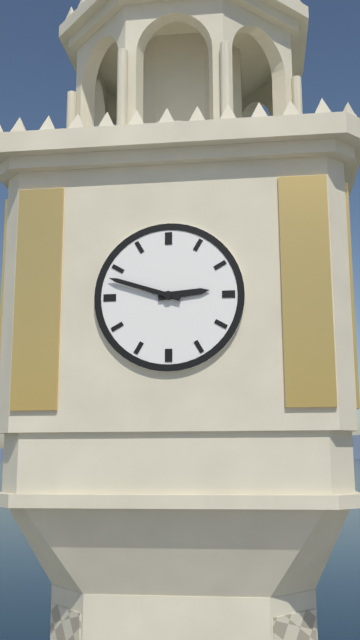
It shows {"hour": 2, "minute": 48}
